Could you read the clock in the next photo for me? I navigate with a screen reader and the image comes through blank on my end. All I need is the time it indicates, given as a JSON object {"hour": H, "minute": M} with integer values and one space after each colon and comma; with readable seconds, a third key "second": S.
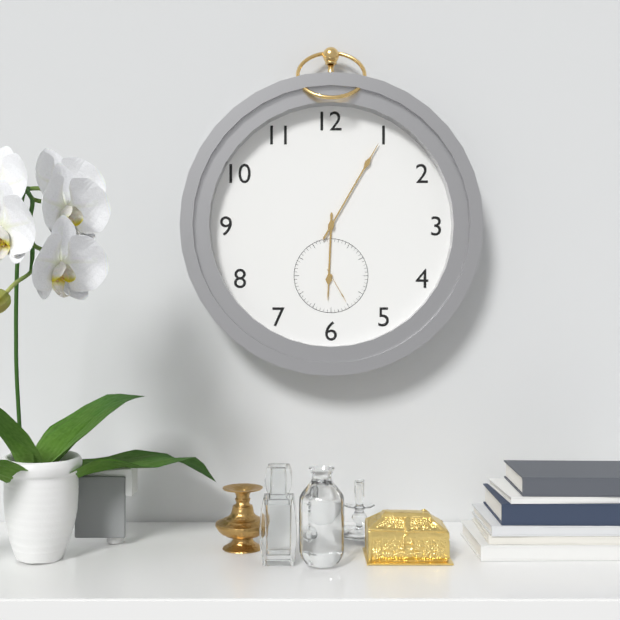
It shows {"hour": 6, "minute": 5}
